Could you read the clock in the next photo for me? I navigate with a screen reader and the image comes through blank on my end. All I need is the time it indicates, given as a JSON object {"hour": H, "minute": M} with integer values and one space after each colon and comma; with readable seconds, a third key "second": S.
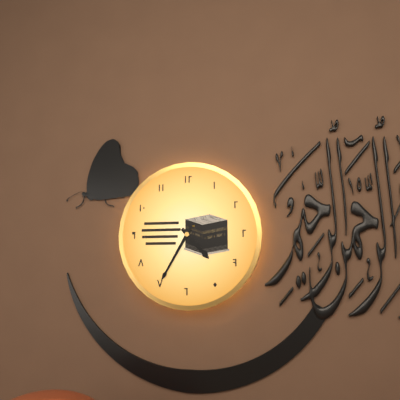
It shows {"hour": 4, "minute": 35}
